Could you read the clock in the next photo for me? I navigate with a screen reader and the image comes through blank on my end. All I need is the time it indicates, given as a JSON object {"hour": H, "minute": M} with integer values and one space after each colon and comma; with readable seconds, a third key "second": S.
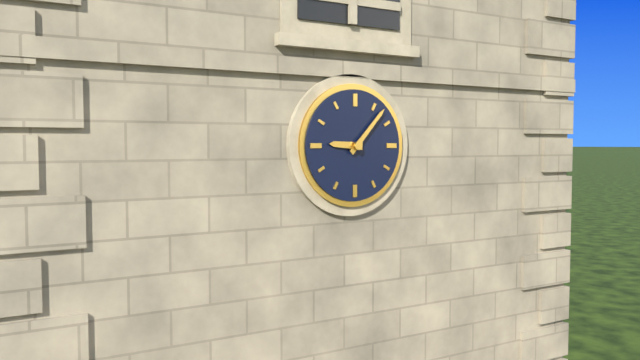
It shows {"hour": 9, "minute": 7}
